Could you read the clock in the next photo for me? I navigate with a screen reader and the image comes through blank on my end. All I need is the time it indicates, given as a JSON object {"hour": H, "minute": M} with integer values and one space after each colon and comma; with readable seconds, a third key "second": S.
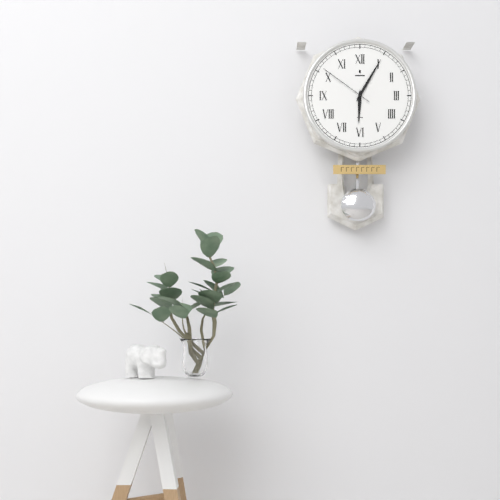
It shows {"hour": 6, "minute": 5, "second": 51}
